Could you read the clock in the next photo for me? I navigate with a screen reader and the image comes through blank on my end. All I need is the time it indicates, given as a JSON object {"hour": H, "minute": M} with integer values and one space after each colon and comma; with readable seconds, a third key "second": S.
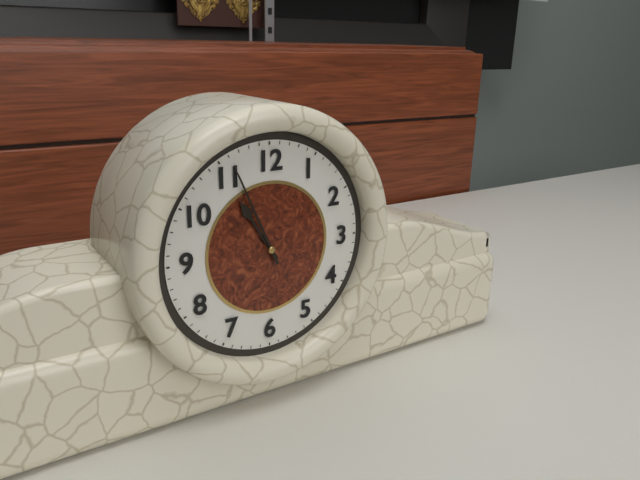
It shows {"hour": 10, "minute": 56}
